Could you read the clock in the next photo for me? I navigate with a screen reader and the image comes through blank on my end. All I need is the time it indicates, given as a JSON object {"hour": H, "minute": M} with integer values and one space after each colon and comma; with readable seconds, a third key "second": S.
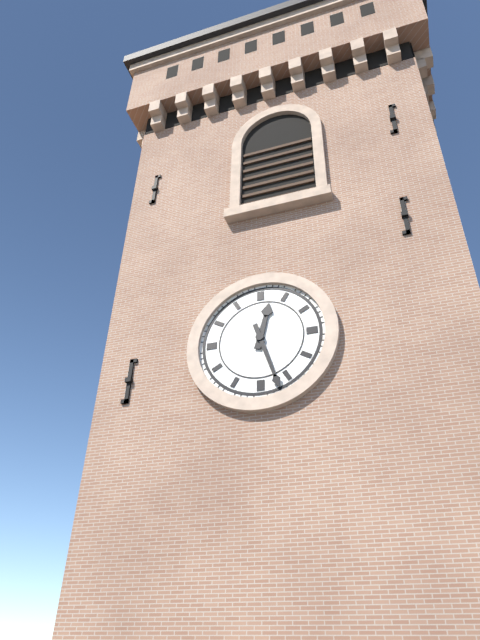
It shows {"hour": 12, "minute": 27}
